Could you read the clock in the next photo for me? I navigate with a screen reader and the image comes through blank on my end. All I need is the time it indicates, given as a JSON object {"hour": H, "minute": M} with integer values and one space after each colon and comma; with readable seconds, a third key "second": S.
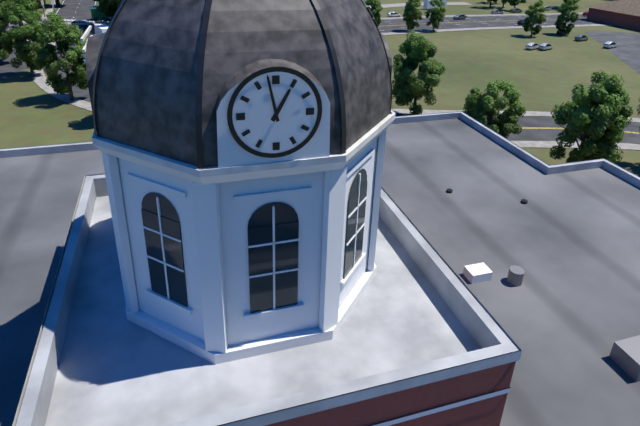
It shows {"hour": 12, "minute": 58}
